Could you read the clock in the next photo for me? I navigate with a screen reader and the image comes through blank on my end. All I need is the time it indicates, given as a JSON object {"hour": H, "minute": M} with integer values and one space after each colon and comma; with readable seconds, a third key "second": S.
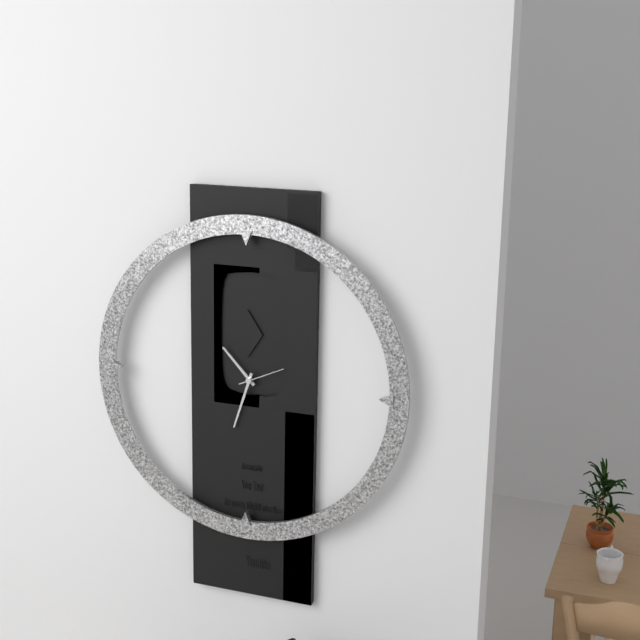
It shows {"hour": 10, "minute": 33}
